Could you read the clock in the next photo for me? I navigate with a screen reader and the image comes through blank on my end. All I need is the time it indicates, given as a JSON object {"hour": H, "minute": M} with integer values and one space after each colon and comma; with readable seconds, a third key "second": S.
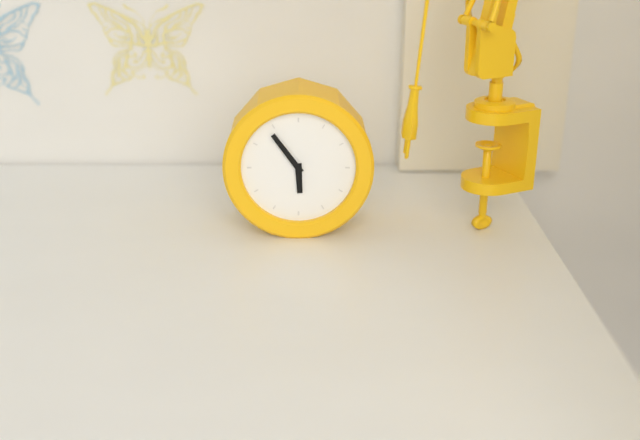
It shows {"hour": 5, "minute": 54}
